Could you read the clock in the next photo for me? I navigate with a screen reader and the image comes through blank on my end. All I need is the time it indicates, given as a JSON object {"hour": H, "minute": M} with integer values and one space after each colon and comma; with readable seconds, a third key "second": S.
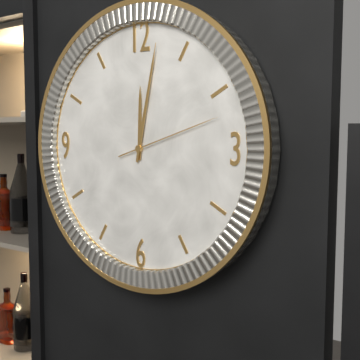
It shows {"hour": 12, "minute": 2, "second": 12}
